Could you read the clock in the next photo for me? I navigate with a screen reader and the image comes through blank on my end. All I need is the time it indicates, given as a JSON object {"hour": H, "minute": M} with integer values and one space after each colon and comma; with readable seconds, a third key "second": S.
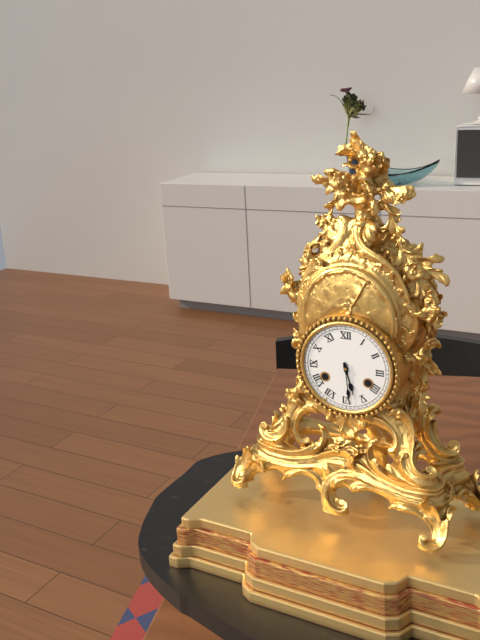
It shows {"hour": 5, "minute": 29}
